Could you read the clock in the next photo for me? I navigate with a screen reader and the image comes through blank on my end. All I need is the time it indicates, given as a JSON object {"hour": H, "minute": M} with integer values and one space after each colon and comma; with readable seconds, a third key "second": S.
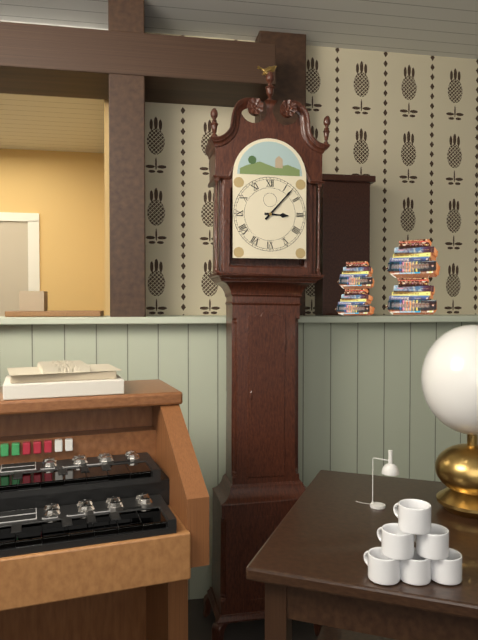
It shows {"hour": 3, "minute": 7}
